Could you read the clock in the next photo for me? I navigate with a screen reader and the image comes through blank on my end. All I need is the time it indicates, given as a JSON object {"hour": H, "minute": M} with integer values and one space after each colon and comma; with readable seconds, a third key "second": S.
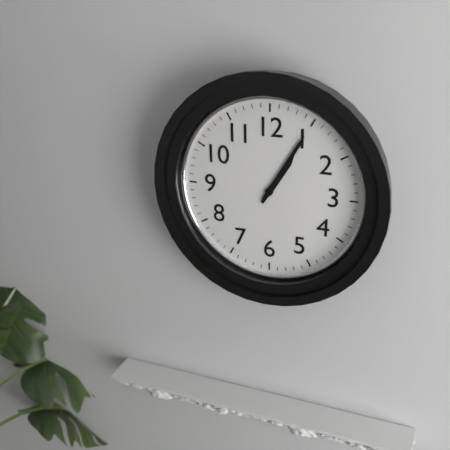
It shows {"hour": 1, "minute": 5}
